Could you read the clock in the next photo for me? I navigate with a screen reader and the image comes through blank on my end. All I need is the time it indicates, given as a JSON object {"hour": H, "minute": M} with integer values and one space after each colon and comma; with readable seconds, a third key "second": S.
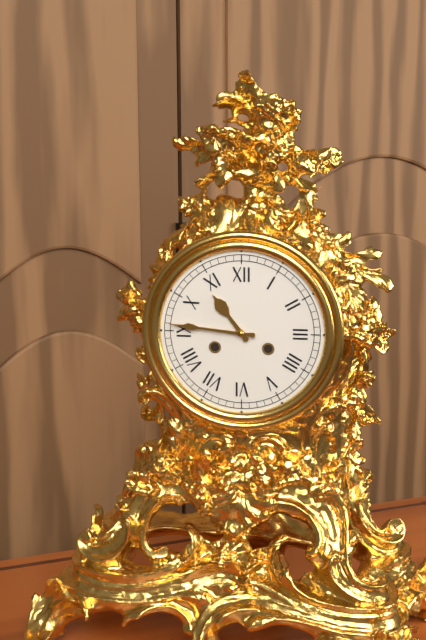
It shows {"hour": 10, "minute": 46}
